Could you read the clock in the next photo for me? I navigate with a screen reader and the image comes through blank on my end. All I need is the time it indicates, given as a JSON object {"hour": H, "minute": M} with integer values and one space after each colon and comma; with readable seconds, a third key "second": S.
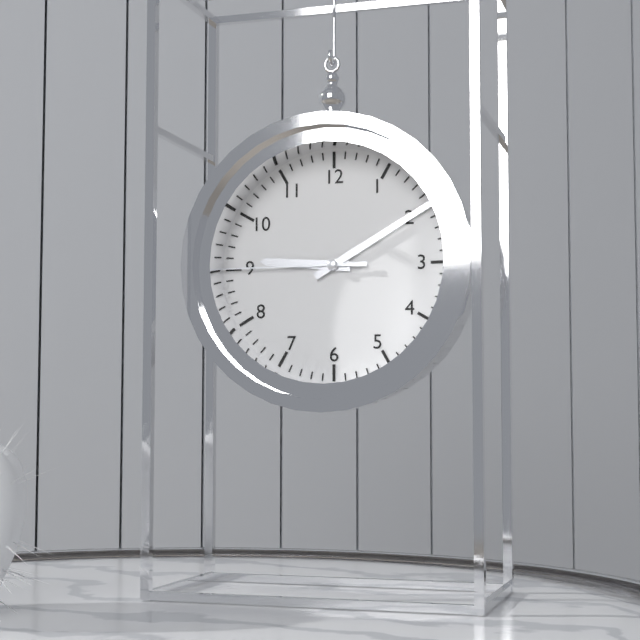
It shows {"hour": 9, "minute": 10, "second": 45}
